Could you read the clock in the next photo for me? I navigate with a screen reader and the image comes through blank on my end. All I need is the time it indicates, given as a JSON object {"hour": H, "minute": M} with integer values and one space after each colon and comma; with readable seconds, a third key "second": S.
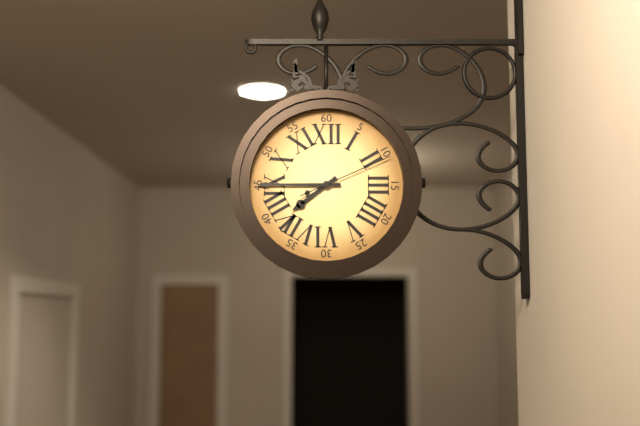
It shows {"hour": 7, "minute": 45, "second": 11}
